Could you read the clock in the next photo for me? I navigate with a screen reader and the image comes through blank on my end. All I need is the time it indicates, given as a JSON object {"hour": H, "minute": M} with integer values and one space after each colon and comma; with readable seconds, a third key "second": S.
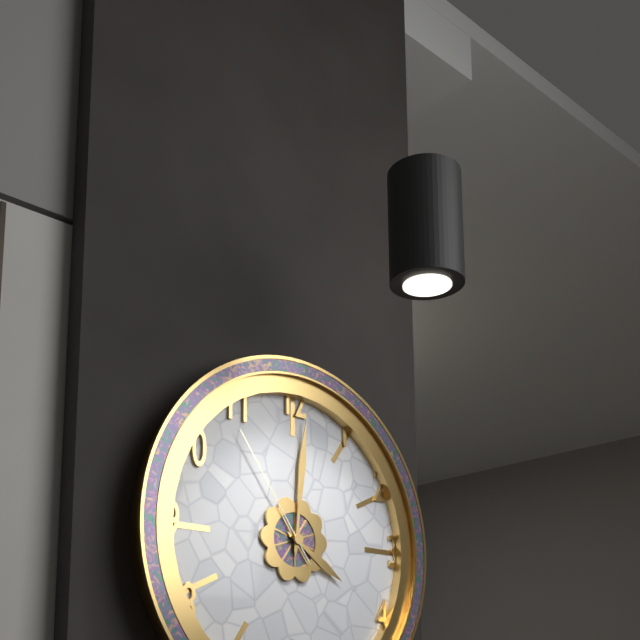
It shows {"hour": 4, "minute": 1, "second": 54}
